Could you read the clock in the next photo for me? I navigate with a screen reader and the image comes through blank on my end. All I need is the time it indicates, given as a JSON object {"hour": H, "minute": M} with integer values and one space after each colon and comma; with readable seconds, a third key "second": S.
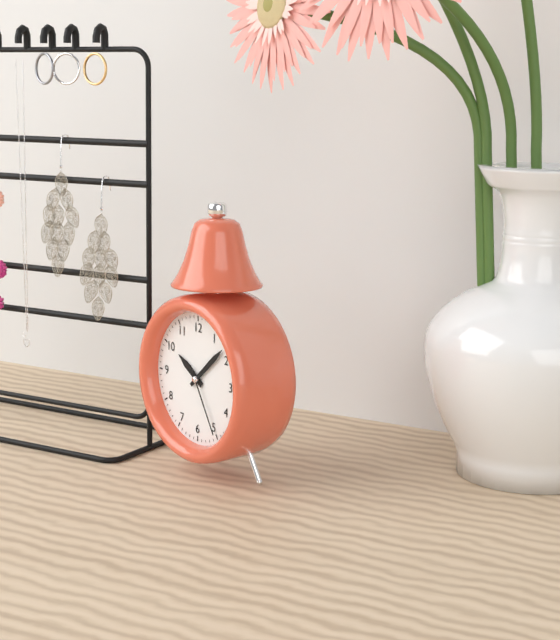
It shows {"hour": 10, "minute": 8, "second": 25}
